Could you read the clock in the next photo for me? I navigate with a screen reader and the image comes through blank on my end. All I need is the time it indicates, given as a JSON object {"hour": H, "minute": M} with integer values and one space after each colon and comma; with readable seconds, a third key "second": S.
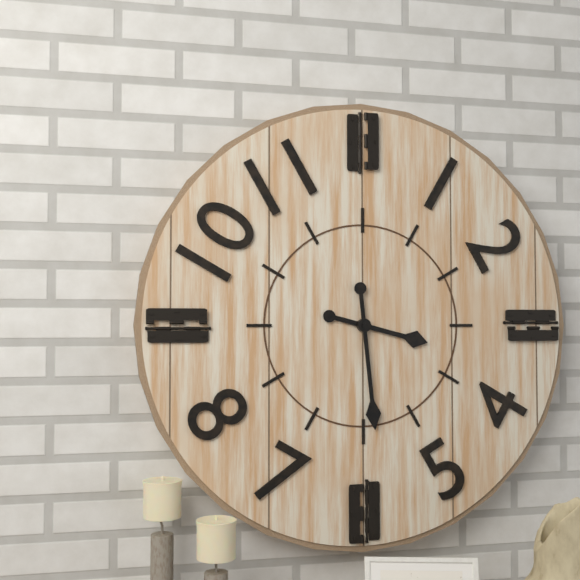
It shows {"hour": 3, "minute": 29}
